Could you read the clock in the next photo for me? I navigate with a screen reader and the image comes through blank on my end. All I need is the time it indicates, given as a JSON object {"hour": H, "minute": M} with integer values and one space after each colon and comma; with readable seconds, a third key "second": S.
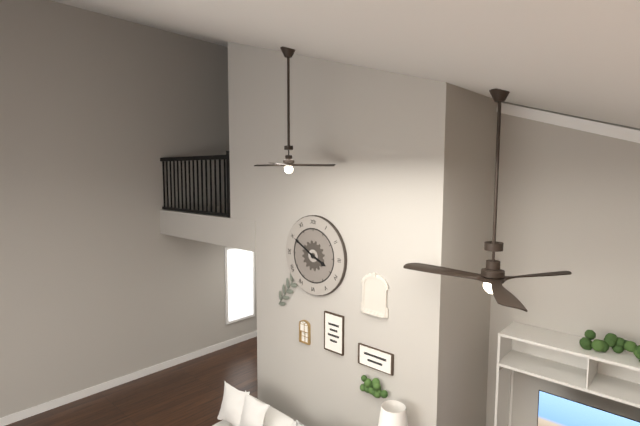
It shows {"hour": 3, "minute": 50}
